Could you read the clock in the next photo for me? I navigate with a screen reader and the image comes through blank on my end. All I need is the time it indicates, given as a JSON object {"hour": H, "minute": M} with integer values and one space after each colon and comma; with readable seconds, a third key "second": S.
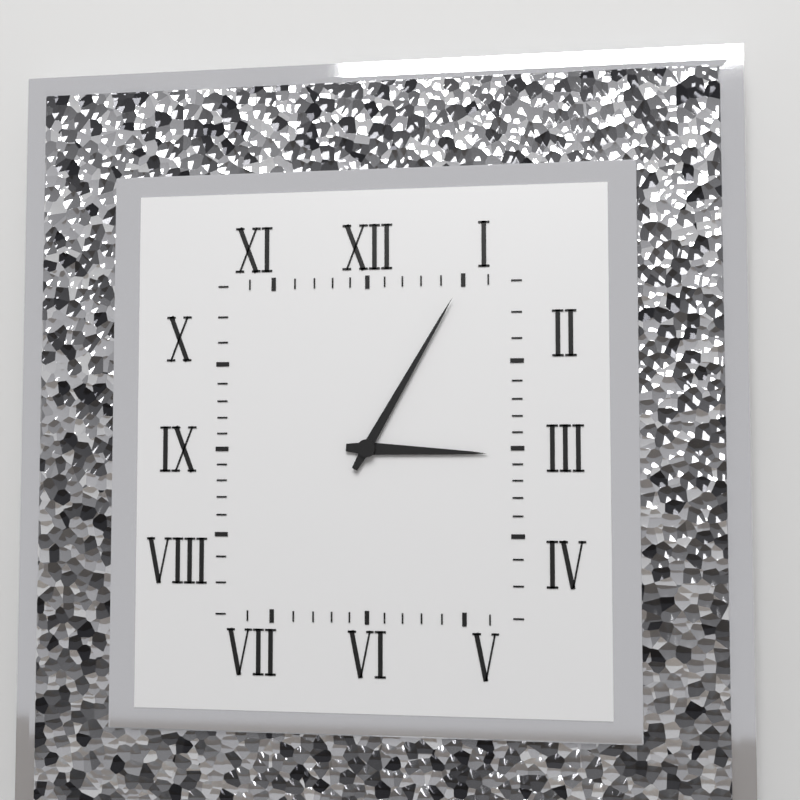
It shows {"hour": 3, "minute": 5}
